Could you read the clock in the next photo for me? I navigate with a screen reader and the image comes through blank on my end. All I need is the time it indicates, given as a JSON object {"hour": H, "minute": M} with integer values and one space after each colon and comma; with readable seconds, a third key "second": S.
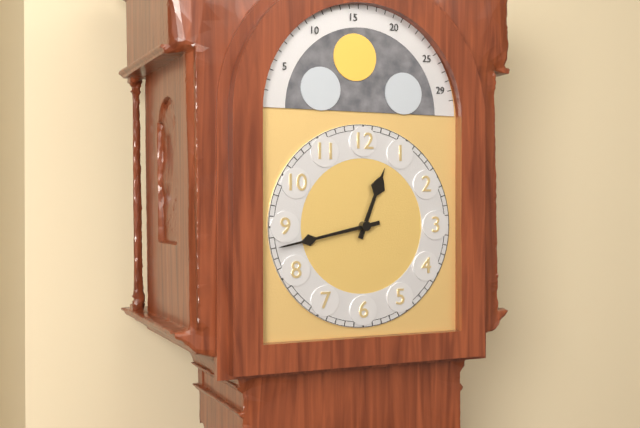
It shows {"hour": 12, "minute": 43}
